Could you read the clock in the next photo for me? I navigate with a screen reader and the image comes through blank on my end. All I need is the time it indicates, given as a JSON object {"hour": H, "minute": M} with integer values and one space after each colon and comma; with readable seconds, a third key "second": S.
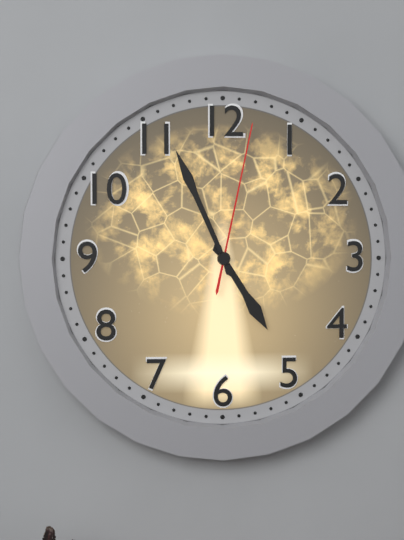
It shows {"hour": 4, "minute": 56, "second": 2}
